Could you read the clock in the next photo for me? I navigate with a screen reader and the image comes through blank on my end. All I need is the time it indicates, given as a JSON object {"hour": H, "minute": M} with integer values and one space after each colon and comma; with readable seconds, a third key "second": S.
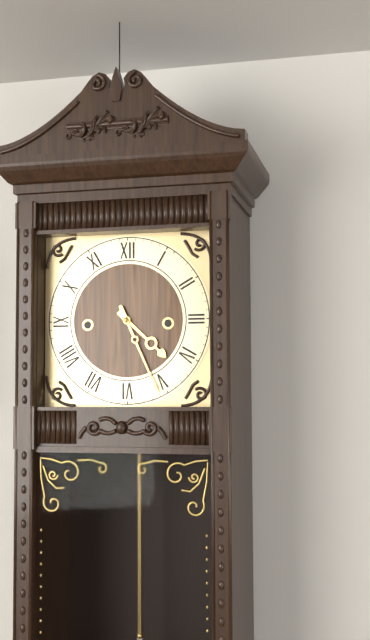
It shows {"hour": 4, "minute": 26}
